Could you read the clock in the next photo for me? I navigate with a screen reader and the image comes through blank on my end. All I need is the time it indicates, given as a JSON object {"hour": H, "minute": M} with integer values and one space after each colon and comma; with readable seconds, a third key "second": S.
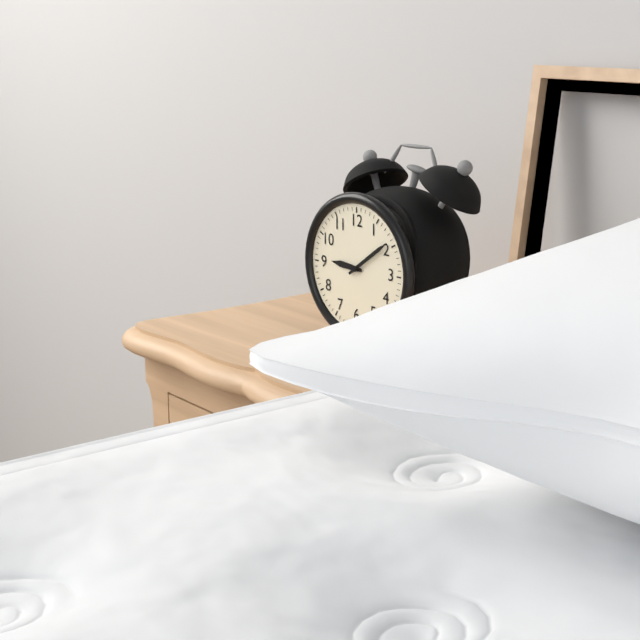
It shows {"hour": 9, "minute": 9}
